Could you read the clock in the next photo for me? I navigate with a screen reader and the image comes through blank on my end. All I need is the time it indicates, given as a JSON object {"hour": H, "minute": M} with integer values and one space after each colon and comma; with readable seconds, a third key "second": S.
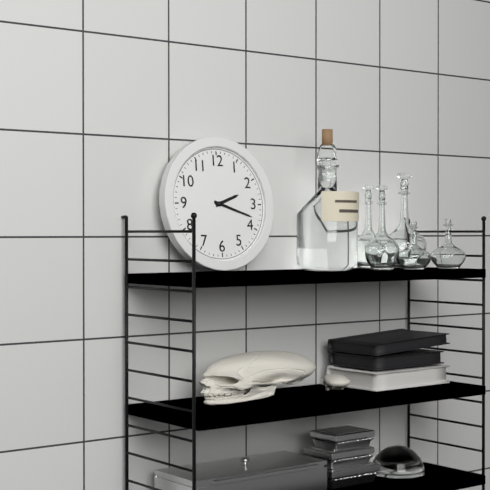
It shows {"hour": 2, "minute": 18}
